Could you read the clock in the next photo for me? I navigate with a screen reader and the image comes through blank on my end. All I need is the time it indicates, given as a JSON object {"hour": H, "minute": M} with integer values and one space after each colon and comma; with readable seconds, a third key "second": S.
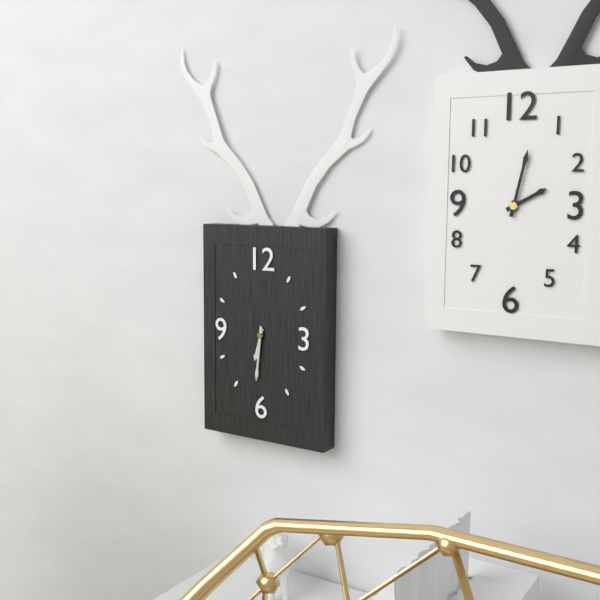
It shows {"hour": 6, "minute": 31}
